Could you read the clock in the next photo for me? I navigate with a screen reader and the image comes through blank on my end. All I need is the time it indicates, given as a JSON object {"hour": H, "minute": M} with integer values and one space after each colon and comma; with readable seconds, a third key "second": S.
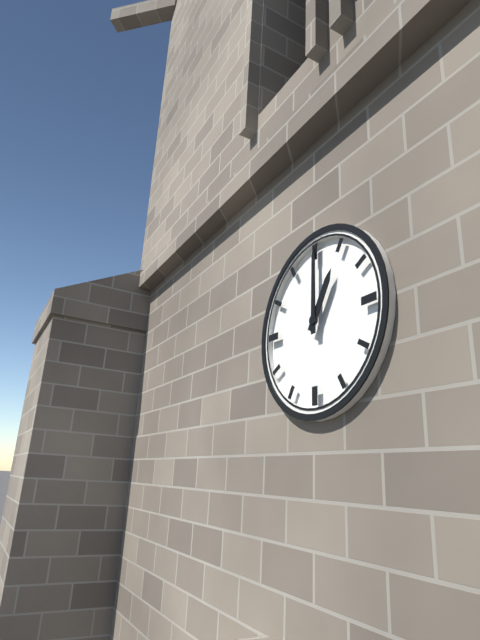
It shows {"hour": 1, "minute": 0}
